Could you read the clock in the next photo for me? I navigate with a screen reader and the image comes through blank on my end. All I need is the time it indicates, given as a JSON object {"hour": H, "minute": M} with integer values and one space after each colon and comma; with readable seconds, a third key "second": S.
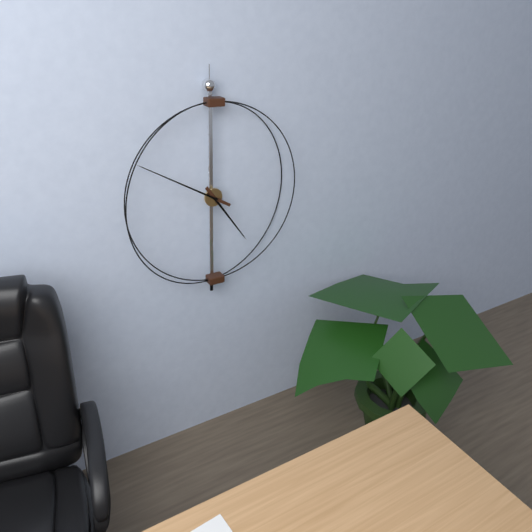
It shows {"hour": 4, "minute": 50}
